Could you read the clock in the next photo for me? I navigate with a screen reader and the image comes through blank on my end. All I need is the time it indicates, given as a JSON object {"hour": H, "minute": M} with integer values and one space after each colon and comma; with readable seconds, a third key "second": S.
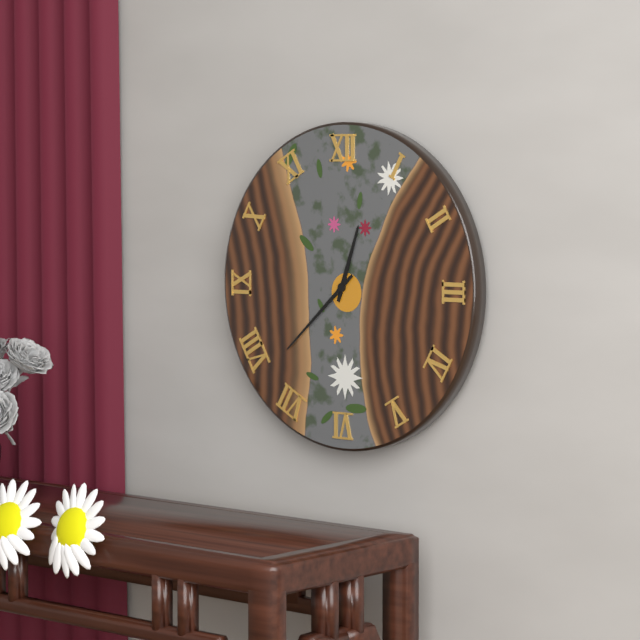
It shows {"hour": 12, "minute": 38}
